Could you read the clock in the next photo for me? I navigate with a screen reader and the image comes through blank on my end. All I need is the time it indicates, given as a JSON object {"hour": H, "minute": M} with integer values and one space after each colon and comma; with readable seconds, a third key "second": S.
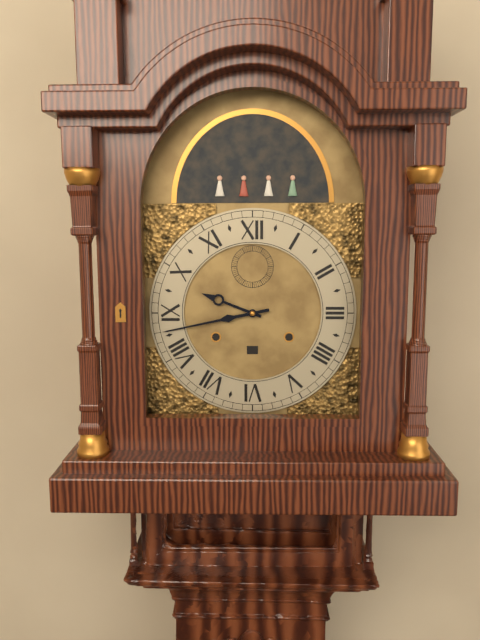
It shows {"hour": 9, "minute": 43}
